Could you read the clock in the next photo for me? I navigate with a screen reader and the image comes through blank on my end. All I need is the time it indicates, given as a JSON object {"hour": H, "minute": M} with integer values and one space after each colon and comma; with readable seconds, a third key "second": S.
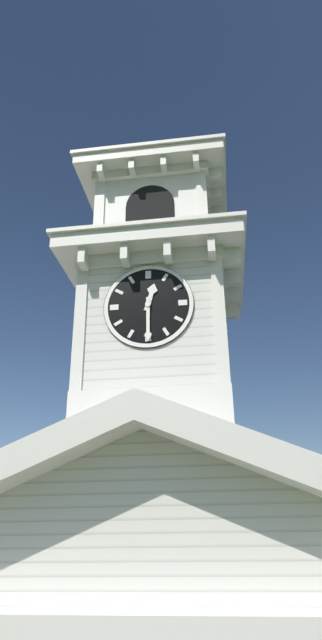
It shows {"hour": 12, "minute": 30}
